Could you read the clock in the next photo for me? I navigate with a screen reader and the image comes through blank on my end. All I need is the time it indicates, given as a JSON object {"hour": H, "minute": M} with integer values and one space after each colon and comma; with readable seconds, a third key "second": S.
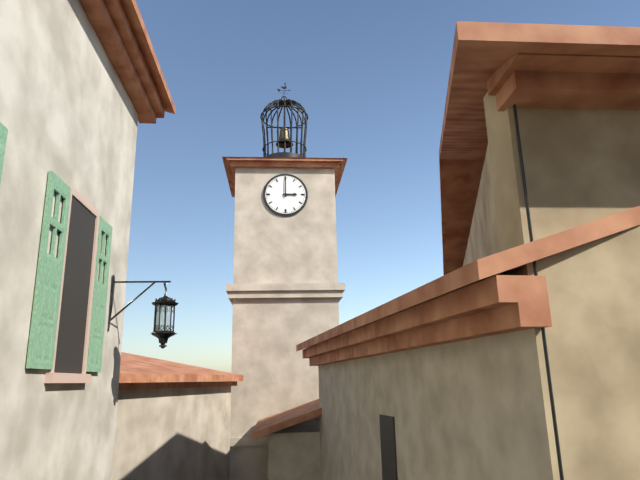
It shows {"hour": 3, "minute": 0}
